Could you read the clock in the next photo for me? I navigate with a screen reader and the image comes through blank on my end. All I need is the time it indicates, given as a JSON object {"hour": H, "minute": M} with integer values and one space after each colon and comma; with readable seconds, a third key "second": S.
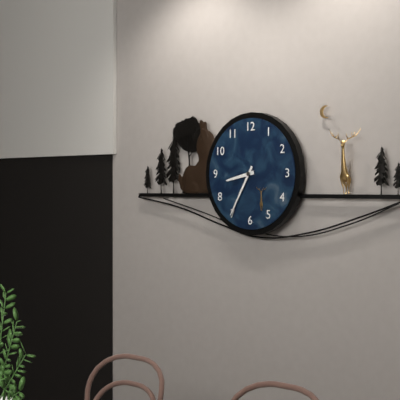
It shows {"hour": 8, "minute": 35}
